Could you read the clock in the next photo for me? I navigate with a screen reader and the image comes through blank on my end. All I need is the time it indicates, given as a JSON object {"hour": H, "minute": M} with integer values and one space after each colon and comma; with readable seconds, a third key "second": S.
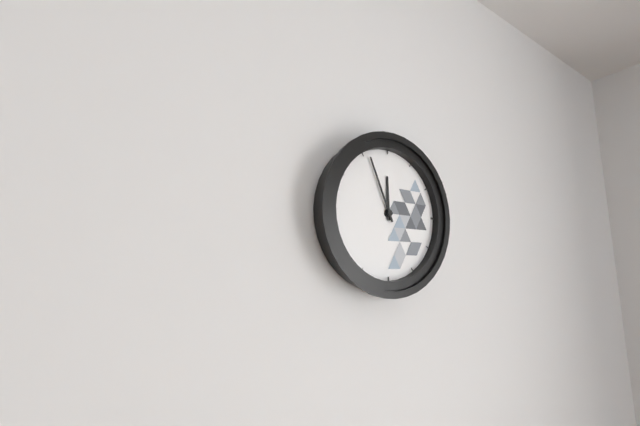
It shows {"hour": 11, "minute": 56}
